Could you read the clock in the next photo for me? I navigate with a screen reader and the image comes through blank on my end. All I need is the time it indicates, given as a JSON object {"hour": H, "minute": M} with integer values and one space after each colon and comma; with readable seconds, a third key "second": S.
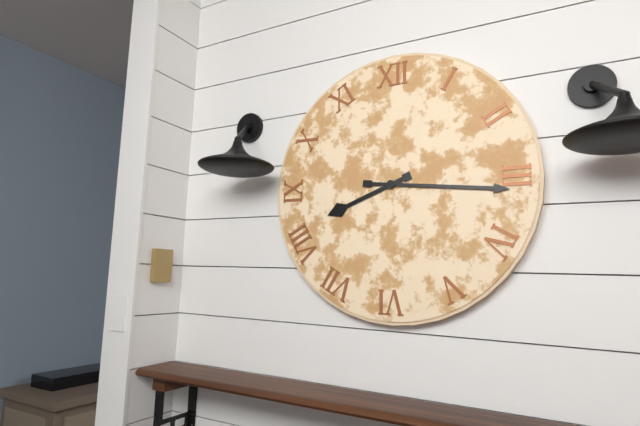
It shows {"hour": 8, "minute": 16}
